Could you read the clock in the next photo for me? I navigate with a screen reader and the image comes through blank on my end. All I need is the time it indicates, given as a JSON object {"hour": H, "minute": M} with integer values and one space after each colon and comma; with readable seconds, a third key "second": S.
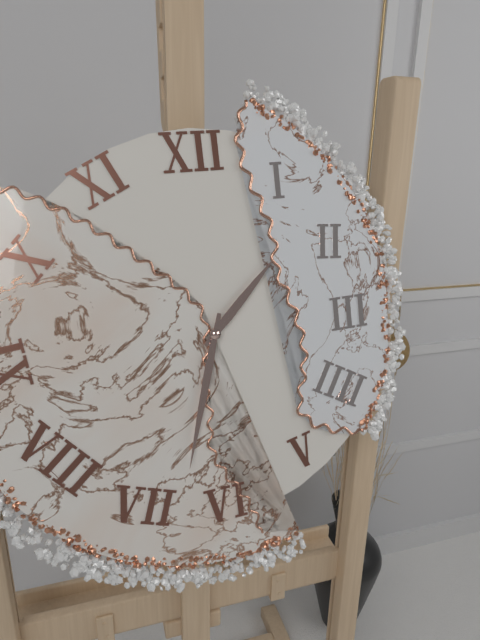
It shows {"hour": 1, "minute": 33}
